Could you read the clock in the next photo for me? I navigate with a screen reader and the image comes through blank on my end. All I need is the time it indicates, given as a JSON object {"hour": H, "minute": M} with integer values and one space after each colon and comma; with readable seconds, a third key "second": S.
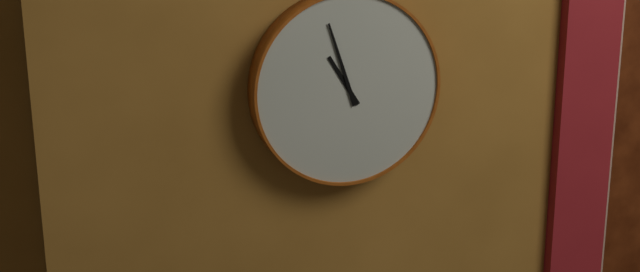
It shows {"hour": 10, "minute": 57}
